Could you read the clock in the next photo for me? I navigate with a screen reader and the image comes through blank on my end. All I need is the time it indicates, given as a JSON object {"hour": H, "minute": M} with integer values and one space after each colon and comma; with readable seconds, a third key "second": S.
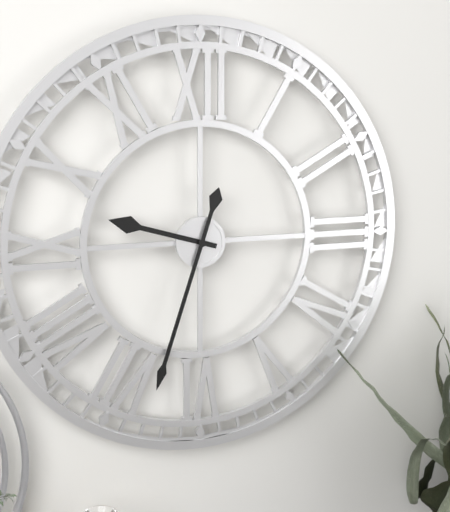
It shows {"hour": 9, "minute": 33}
